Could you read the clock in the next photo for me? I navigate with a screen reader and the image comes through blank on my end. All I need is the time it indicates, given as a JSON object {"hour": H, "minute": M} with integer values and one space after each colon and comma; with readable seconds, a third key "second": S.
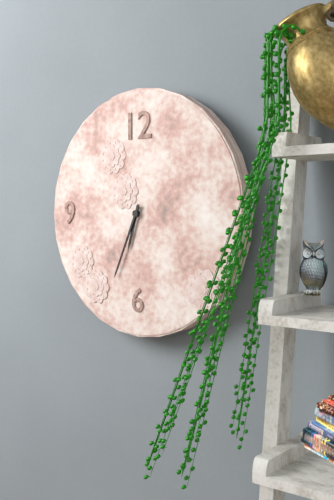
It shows {"hour": 6, "minute": 34}
